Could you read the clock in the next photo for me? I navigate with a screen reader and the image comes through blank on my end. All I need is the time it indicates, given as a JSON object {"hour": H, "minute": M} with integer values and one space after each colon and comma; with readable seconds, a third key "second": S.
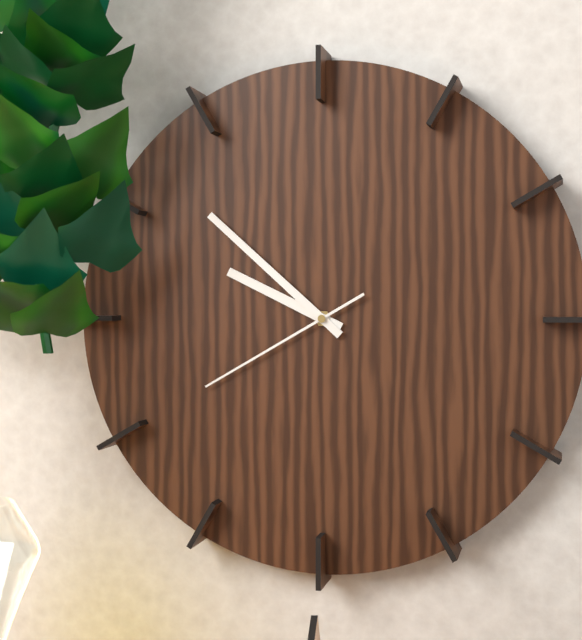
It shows {"hour": 9, "minute": 52, "second": 40}
